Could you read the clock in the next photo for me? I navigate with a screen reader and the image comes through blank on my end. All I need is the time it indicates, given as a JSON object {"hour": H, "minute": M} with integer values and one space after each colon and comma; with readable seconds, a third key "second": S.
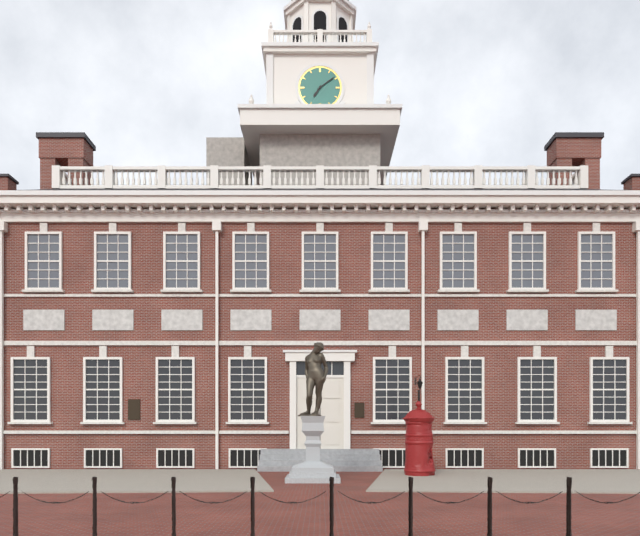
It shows {"hour": 7, "minute": 9}
